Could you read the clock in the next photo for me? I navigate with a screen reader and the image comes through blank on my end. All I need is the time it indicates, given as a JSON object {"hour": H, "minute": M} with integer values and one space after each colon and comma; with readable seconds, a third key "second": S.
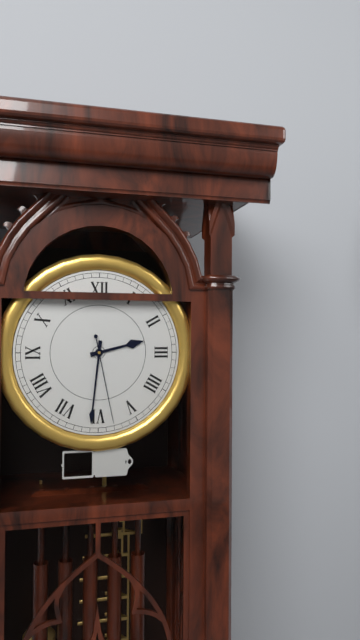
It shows {"hour": 2, "minute": 31, "second": 28}
